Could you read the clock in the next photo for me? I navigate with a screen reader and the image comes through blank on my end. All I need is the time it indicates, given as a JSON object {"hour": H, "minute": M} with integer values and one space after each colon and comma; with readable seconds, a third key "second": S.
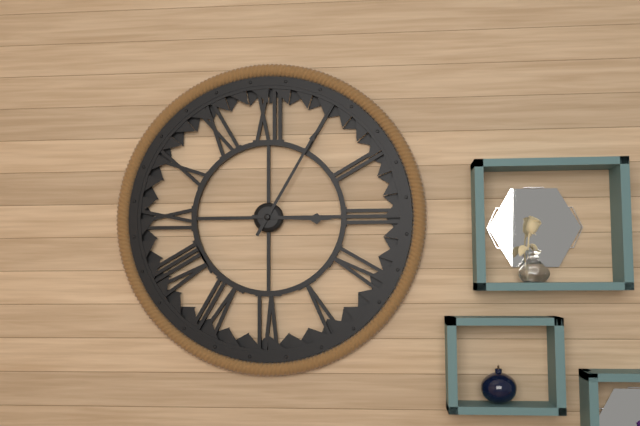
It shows {"hour": 3, "minute": 5}
